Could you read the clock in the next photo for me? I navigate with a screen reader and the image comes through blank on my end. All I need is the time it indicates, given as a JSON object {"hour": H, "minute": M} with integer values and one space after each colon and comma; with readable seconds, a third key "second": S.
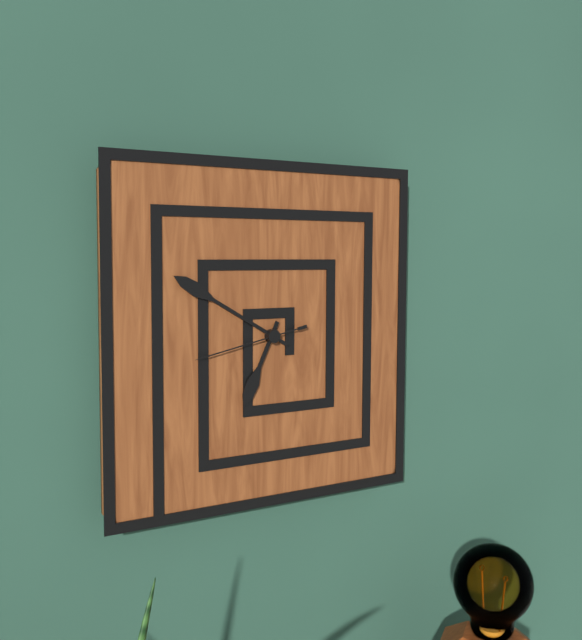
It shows {"hour": 6, "minute": 50, "second": 43}
